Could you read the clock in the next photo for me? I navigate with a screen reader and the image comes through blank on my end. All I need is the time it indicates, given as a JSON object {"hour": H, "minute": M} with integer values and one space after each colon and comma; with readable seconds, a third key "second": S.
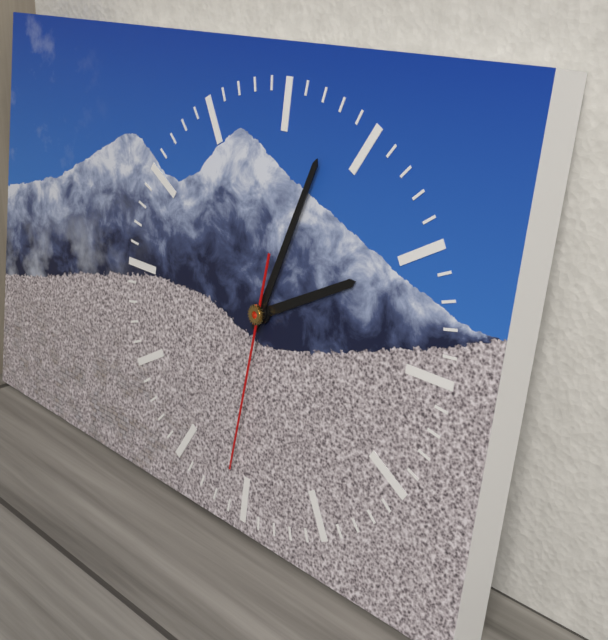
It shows {"hour": 2, "minute": 3, "second": 31}
